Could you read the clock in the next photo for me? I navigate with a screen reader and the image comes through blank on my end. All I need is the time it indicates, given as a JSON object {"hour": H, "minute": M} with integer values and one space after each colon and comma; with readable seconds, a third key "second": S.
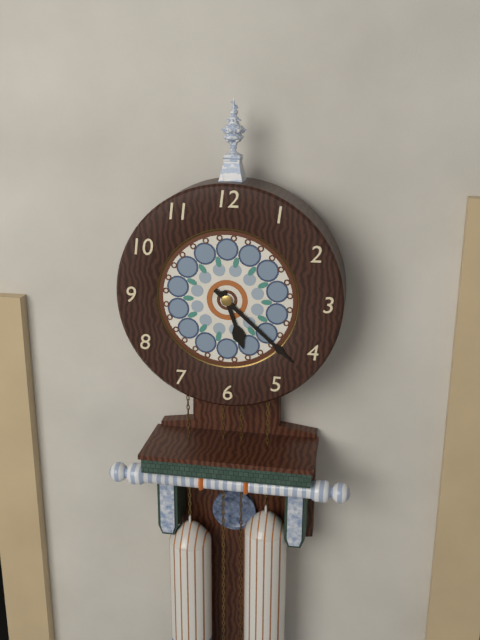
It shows {"hour": 5, "minute": 22}
